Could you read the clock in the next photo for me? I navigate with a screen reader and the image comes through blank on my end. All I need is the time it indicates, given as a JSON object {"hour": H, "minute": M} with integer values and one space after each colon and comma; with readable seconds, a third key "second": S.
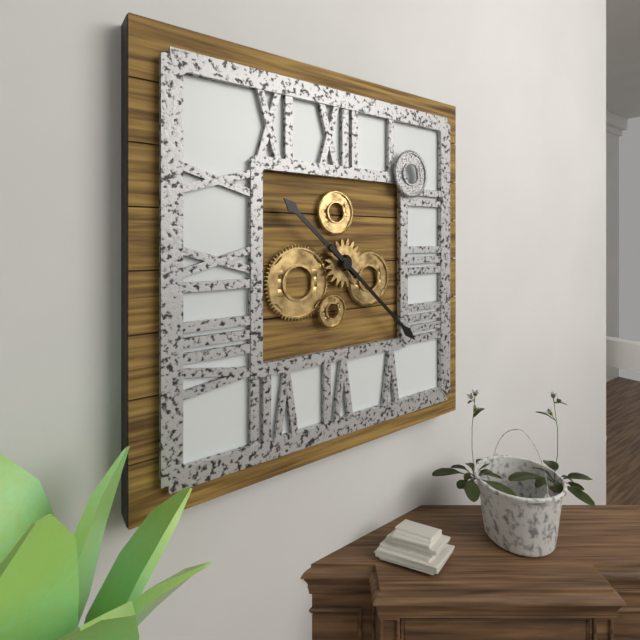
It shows {"hour": 10, "minute": 22}
